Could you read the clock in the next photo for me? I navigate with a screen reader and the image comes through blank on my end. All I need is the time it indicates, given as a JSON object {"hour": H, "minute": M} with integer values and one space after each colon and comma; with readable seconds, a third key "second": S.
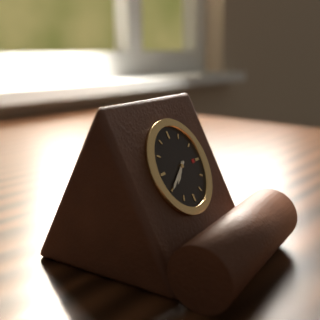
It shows {"hour": 7, "minute": 40}
